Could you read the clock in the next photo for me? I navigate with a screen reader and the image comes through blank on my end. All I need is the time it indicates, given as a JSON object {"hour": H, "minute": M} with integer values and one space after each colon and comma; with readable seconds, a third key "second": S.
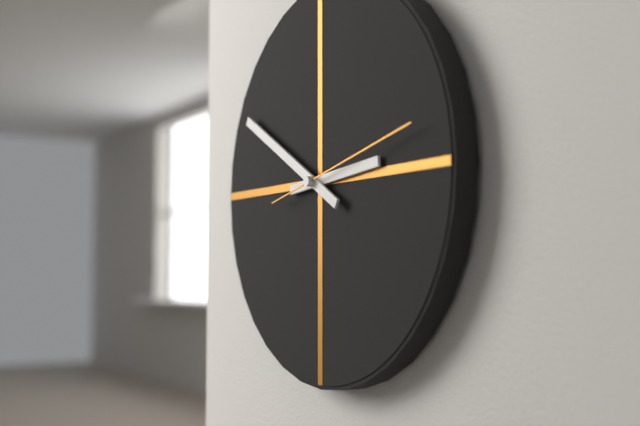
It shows {"hour": 2, "minute": 50, "second": 13}
